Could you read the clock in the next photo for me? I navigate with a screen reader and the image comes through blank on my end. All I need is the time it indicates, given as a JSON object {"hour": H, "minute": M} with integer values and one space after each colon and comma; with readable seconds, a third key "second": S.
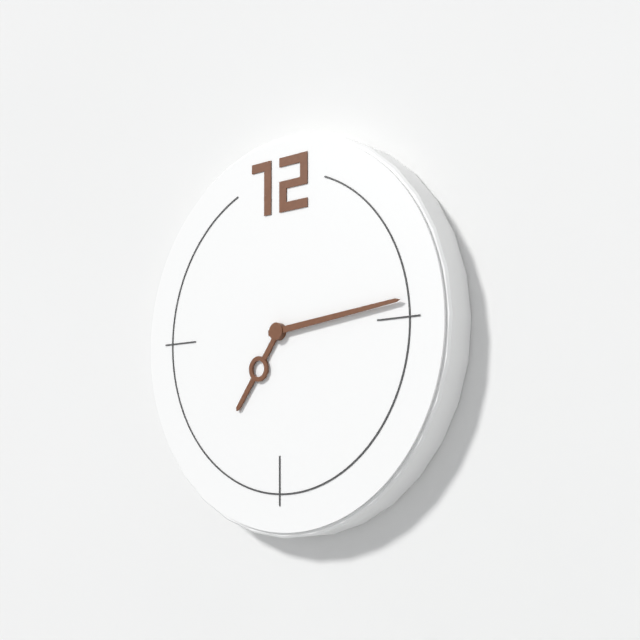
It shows {"hour": 7, "minute": 14}
